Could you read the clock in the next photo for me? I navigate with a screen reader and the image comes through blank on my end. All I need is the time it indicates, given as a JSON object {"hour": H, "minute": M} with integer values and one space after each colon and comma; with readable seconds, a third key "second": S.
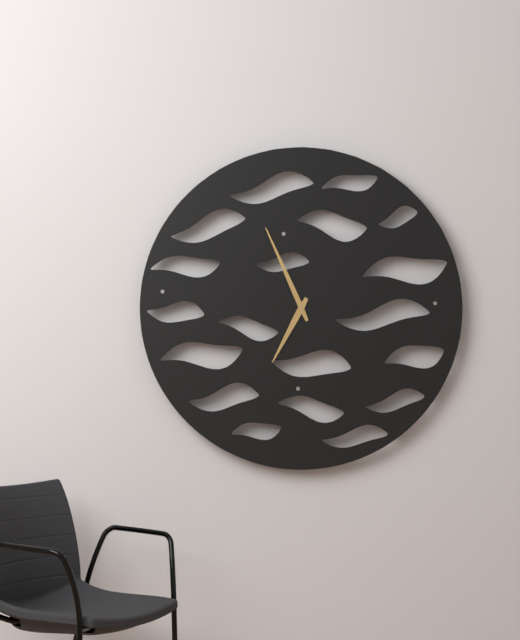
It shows {"hour": 6, "minute": 56}
